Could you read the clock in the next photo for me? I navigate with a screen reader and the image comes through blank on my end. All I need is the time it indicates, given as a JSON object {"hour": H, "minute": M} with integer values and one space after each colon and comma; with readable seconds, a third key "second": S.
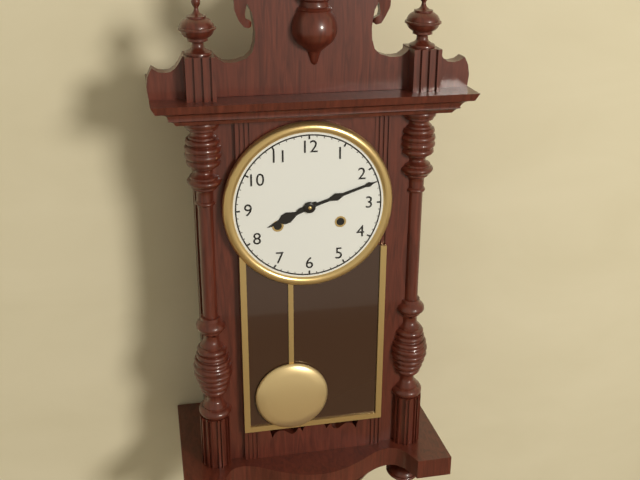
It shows {"hour": 8, "minute": 12}
